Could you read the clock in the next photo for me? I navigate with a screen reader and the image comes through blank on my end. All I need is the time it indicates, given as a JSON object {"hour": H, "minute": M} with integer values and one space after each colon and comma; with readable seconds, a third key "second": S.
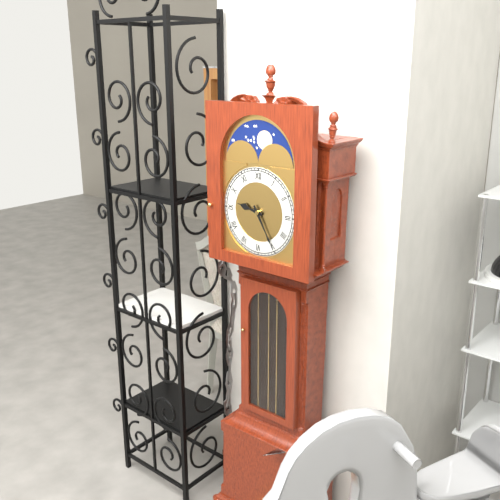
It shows {"hour": 9, "minute": 25}
